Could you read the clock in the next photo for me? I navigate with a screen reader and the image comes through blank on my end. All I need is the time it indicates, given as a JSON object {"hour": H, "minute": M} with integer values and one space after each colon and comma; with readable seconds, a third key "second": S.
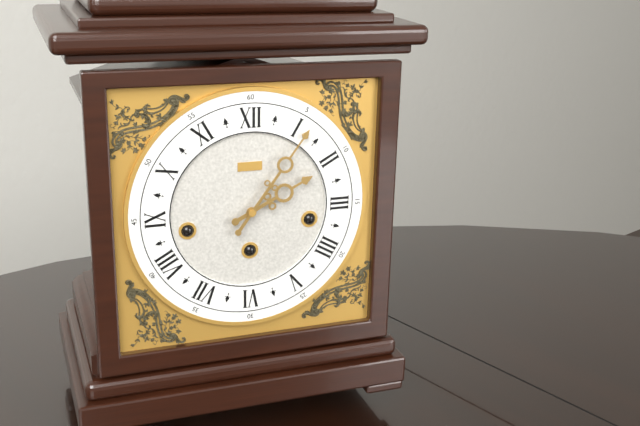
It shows {"hour": 2, "minute": 6}
